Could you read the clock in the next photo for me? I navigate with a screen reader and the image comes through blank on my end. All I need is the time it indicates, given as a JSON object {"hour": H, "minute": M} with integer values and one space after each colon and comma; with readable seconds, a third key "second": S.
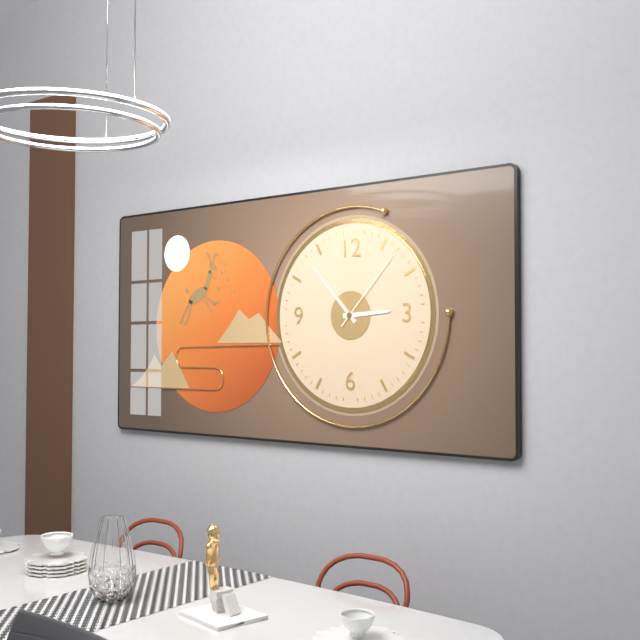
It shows {"hour": 2, "minute": 53, "second": 7}
